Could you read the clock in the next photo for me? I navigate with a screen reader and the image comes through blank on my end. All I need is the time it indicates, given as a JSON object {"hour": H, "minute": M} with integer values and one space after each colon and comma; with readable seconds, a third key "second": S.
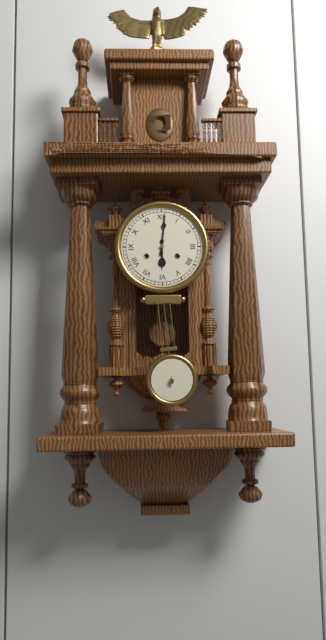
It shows {"hour": 6, "minute": 1}
